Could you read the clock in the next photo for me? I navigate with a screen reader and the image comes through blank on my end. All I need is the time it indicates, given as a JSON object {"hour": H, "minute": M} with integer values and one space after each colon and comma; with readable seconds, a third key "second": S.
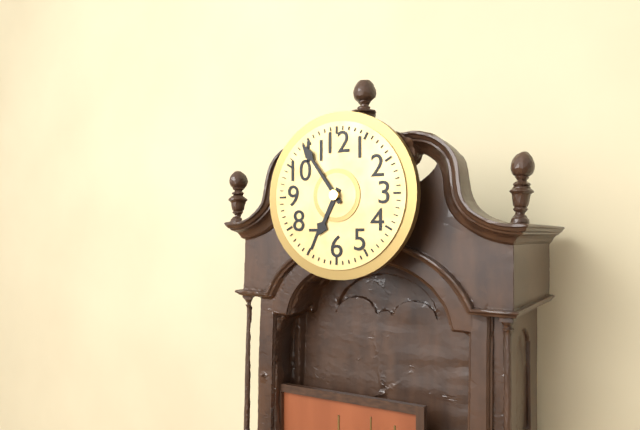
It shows {"hour": 6, "minute": 54}
